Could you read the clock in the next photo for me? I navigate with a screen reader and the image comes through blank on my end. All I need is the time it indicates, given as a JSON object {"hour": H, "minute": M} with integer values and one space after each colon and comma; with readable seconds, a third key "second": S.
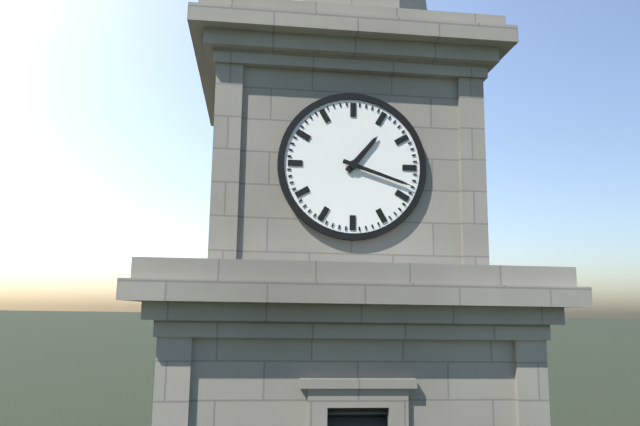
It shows {"hour": 1, "minute": 18}
